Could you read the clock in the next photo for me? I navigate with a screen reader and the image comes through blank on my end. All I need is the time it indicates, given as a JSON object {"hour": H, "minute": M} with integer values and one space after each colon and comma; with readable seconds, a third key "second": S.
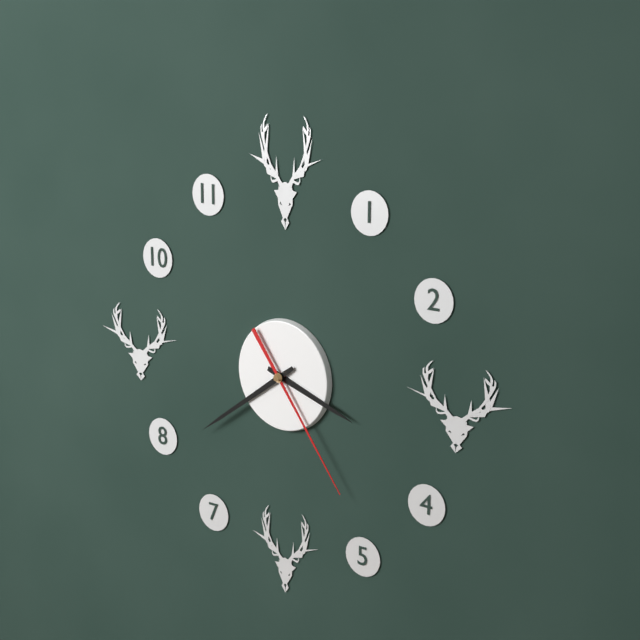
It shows {"hour": 3, "minute": 39, "second": 24}
